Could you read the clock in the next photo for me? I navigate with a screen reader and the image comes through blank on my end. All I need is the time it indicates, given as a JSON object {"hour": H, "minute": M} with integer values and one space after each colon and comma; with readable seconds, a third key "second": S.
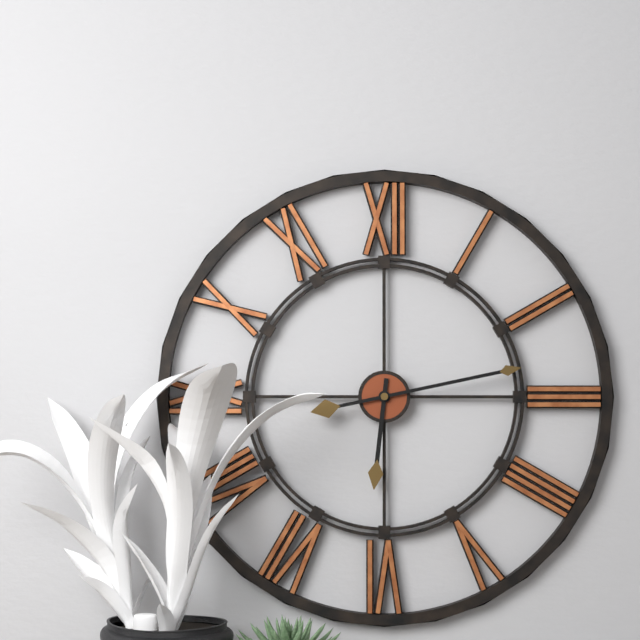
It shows {"hour": 6, "minute": 13}
